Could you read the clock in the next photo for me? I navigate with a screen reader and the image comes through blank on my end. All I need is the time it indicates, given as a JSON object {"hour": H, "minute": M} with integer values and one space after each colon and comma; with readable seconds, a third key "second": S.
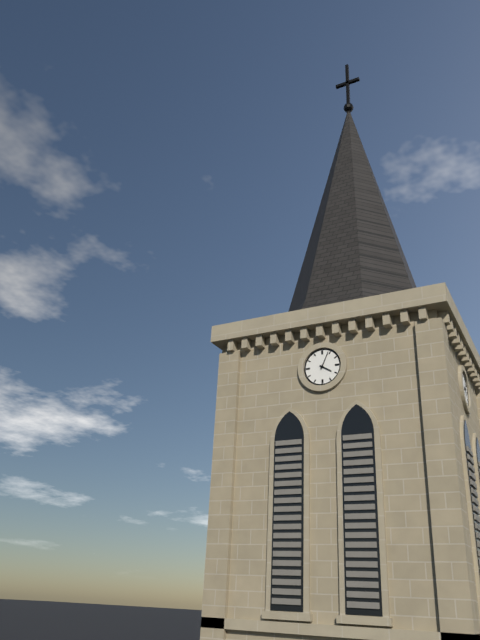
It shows {"hour": 4, "minute": 4}
